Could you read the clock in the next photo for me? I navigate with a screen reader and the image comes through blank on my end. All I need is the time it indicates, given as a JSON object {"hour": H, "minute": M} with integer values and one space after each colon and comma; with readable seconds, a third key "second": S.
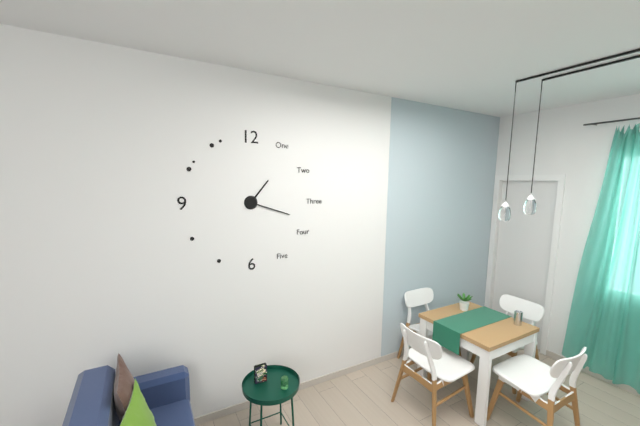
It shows {"hour": 1, "minute": 18}
